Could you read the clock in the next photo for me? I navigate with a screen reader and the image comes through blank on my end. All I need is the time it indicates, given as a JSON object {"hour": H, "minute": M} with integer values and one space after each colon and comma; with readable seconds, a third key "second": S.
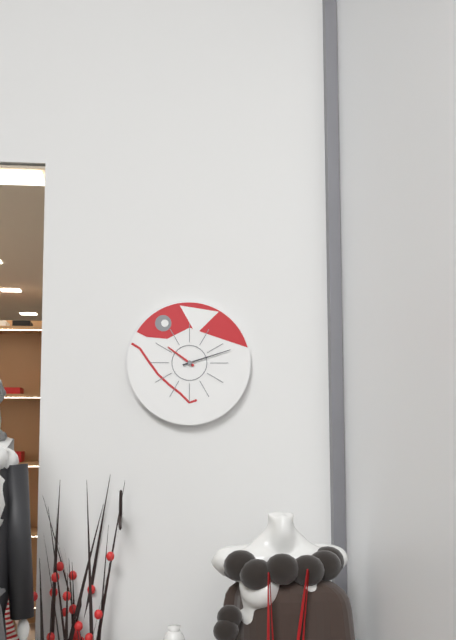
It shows {"hour": 10, "minute": 12}
